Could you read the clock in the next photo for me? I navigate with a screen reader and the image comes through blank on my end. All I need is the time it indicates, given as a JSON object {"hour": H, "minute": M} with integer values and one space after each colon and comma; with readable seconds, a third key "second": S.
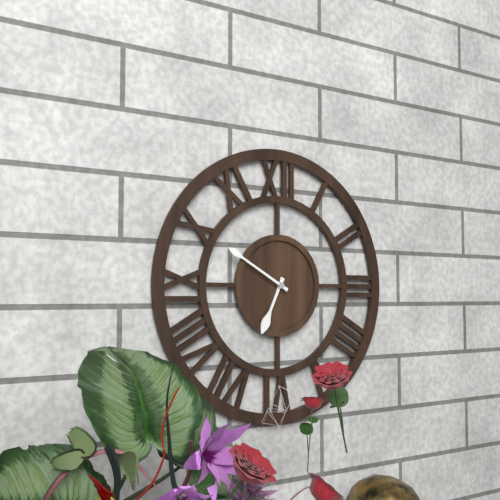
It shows {"hour": 6, "minute": 50}
